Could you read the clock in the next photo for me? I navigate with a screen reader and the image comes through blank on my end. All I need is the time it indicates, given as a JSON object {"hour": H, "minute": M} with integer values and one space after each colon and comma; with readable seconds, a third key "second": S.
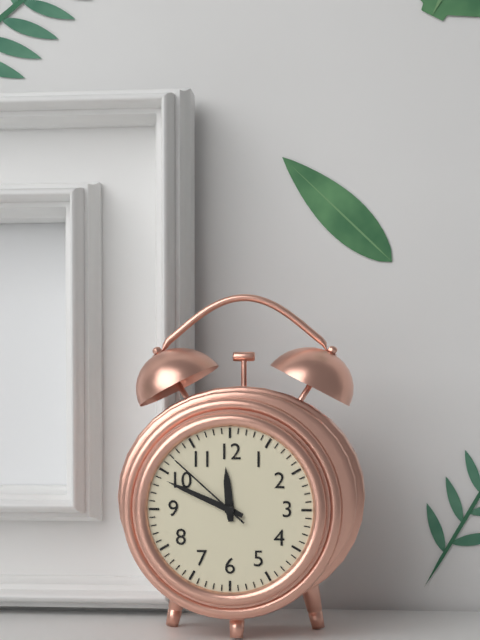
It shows {"hour": 11, "minute": 49, "second": 52}
